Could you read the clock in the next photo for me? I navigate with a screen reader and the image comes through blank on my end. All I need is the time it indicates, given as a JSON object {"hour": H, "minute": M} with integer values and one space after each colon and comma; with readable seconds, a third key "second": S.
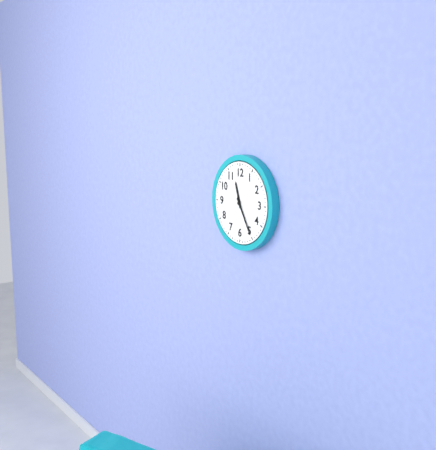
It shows {"hour": 11, "minute": 25}
